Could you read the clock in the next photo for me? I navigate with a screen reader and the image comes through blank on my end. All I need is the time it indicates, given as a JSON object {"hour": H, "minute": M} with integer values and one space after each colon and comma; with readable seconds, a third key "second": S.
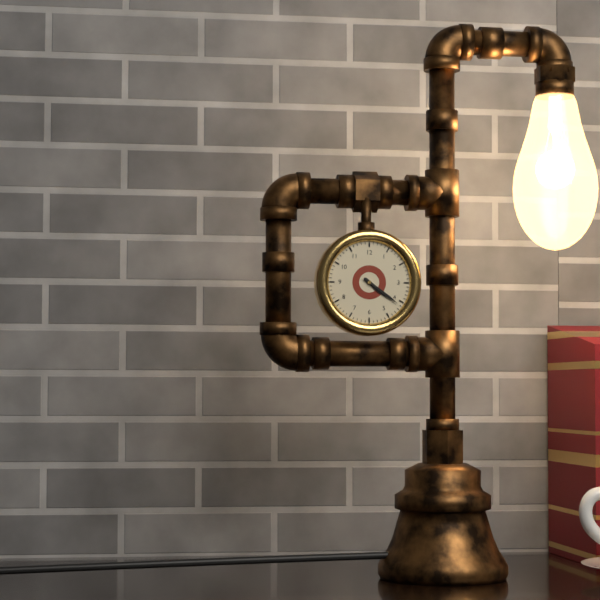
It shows {"hour": 4, "minute": 21}
